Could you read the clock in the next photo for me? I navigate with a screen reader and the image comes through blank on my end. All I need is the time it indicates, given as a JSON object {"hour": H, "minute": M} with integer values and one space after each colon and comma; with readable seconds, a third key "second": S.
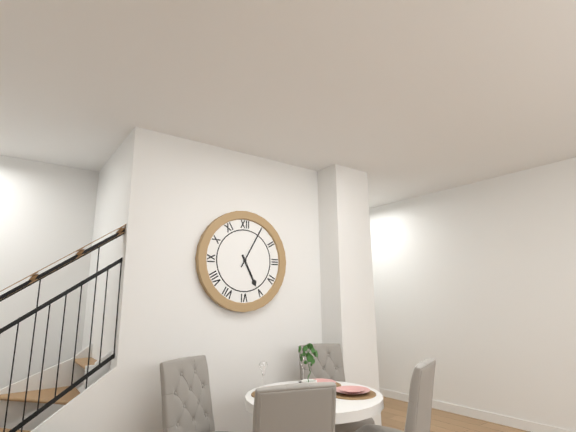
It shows {"hour": 5, "minute": 5}
